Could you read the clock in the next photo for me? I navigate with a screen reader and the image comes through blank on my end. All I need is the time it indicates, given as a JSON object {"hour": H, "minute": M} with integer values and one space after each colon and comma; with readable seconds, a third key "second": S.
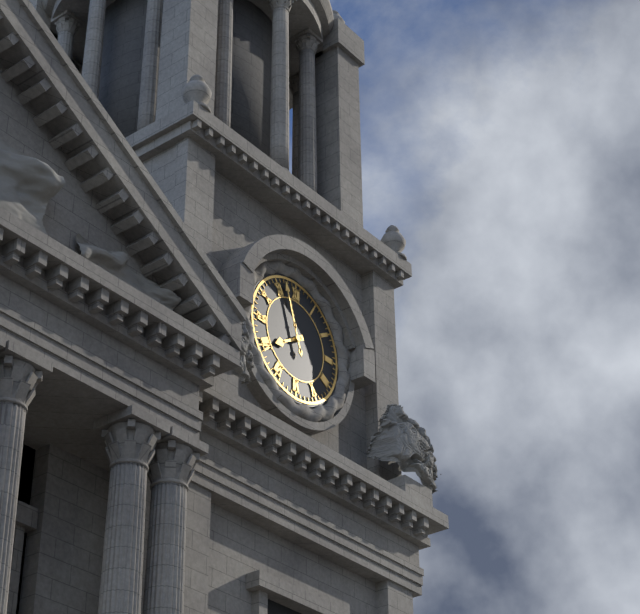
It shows {"hour": 7, "minute": 57}
